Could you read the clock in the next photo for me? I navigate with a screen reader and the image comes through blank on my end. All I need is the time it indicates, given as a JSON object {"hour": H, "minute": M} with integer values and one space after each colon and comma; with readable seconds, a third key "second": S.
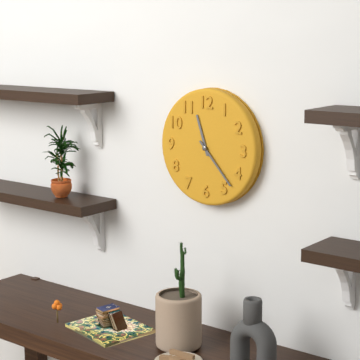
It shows {"hour": 11, "minute": 23}
